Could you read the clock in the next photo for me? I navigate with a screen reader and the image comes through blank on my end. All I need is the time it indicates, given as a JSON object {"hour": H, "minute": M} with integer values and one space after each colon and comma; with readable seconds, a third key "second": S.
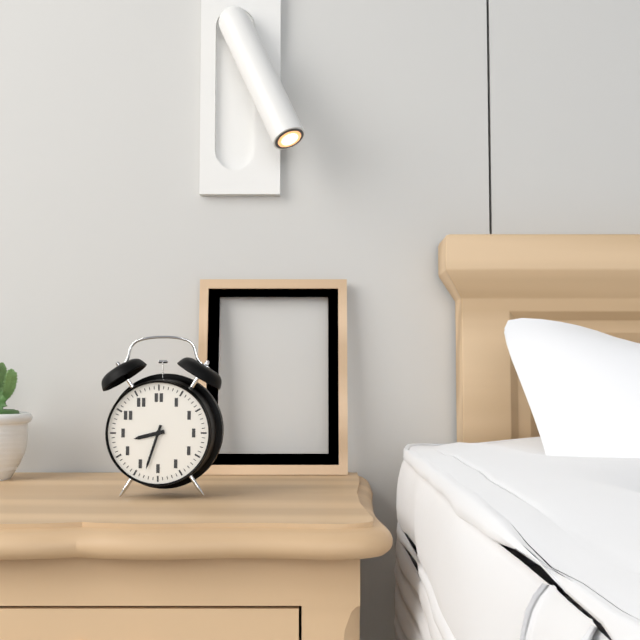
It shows {"hour": 8, "minute": 33}
